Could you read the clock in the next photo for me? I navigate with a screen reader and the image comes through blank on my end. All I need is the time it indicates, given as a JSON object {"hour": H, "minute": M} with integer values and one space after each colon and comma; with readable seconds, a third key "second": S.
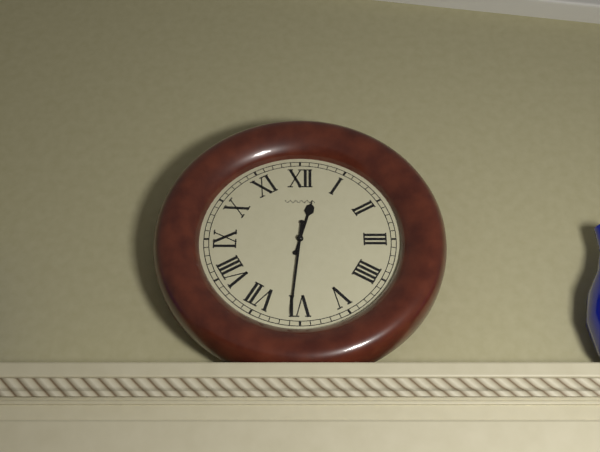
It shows {"hour": 12, "minute": 31}
